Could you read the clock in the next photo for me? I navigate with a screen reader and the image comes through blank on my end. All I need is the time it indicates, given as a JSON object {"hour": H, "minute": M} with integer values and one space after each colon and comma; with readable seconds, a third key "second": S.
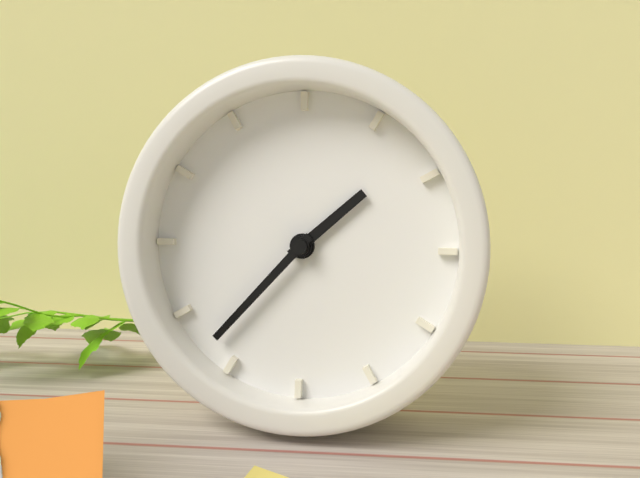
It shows {"hour": 1, "minute": 37}
